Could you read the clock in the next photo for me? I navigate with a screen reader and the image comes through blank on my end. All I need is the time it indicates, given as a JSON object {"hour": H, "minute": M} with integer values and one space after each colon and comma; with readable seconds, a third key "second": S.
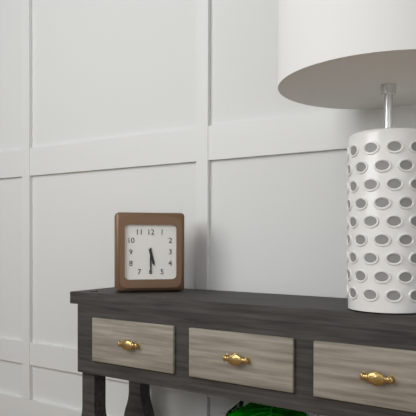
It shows {"hour": 5, "minute": 30}
